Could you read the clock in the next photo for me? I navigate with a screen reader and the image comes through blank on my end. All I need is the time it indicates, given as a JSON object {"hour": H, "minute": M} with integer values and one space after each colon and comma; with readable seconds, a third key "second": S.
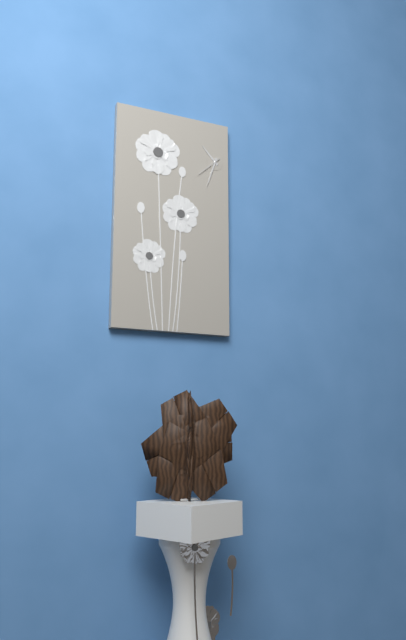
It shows {"hour": 10, "minute": 33}
